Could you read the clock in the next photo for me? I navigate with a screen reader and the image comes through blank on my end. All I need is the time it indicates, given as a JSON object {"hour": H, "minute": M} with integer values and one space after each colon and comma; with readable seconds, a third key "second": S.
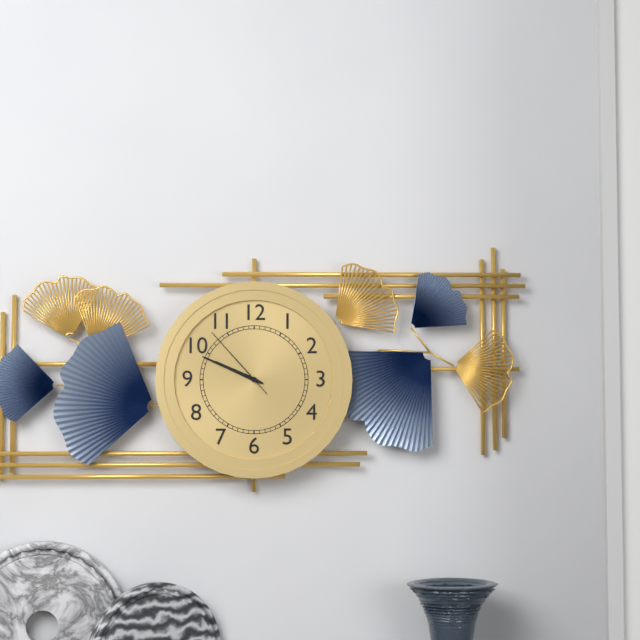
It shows {"hour": 9, "minute": 49, "second": 53}
